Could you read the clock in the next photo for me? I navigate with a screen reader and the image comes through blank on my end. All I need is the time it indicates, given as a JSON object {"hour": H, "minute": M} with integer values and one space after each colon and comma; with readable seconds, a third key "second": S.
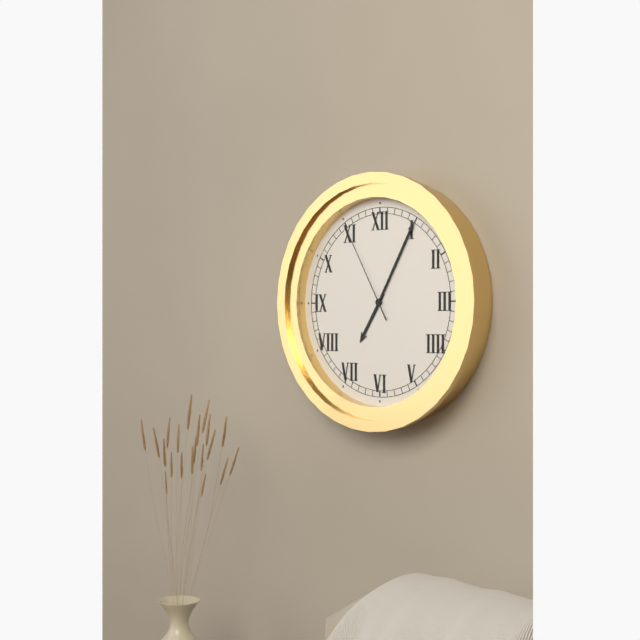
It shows {"hour": 7, "minute": 5, "second": 55}
